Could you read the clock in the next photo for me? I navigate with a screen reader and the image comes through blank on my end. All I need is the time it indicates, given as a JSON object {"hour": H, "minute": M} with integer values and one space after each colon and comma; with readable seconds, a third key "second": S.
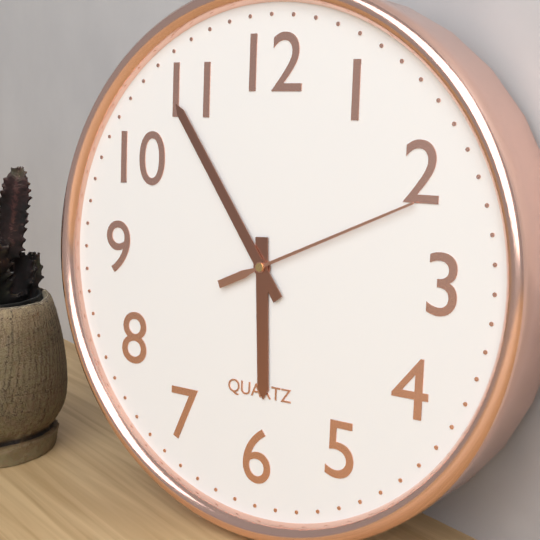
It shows {"hour": 5, "minute": 54, "second": 11}
